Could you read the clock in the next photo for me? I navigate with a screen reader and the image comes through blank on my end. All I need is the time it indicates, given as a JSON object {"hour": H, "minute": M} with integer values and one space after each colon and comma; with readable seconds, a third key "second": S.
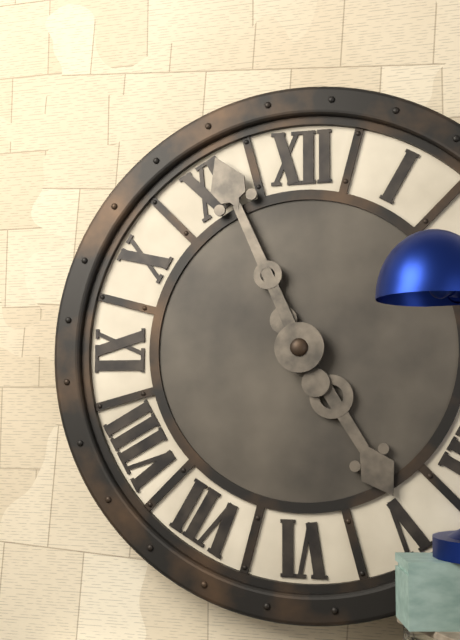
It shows {"hour": 4, "minute": 56}
